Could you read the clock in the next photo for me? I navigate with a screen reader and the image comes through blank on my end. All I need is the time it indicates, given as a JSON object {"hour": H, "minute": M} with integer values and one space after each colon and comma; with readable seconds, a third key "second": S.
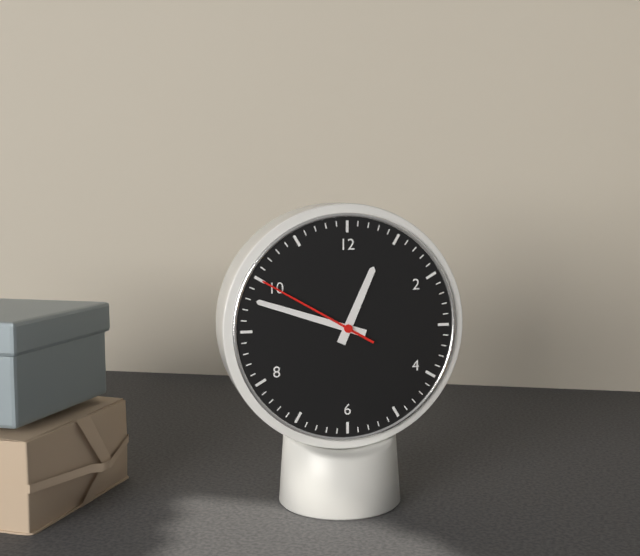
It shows {"hour": 12, "minute": 48, "second": 50}
